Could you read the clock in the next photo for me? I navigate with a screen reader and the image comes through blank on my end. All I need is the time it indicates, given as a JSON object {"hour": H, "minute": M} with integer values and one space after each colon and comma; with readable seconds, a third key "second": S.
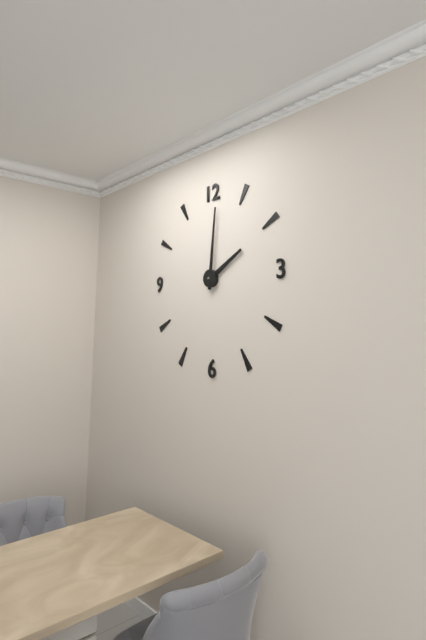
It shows {"hour": 2, "minute": 1}
